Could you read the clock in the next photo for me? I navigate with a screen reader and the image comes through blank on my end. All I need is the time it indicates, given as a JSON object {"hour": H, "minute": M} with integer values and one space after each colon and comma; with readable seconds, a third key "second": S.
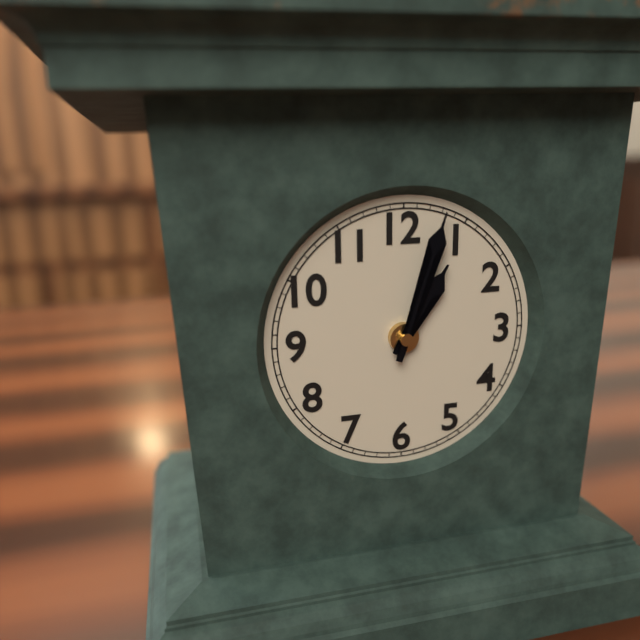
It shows {"hour": 1, "minute": 3}
